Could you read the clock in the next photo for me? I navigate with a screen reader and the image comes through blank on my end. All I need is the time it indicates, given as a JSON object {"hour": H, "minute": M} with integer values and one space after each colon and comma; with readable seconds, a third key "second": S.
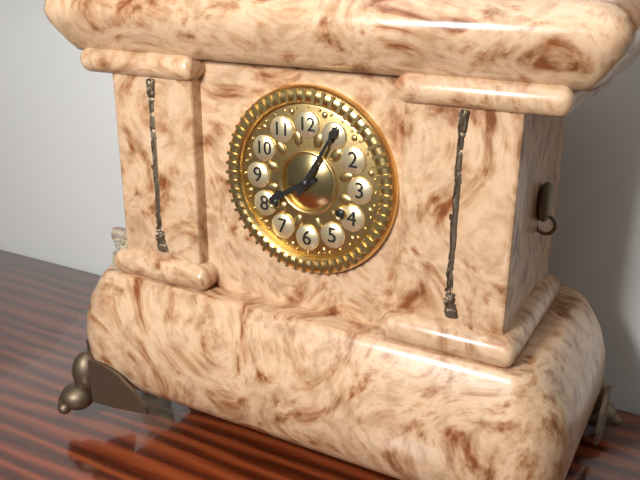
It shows {"hour": 8, "minute": 5}
